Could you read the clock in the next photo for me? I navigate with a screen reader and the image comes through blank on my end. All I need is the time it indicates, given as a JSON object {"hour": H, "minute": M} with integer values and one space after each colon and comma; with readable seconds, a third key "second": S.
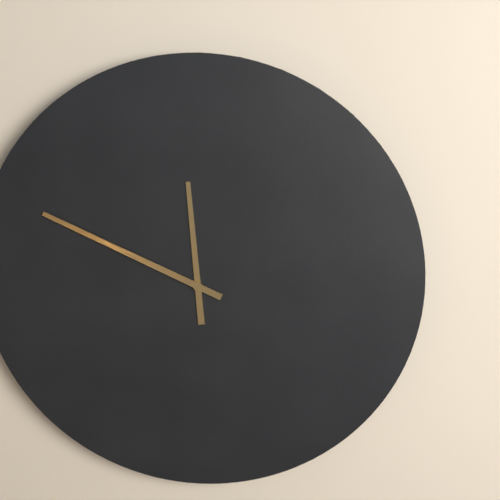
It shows {"hour": 11, "minute": 49}
